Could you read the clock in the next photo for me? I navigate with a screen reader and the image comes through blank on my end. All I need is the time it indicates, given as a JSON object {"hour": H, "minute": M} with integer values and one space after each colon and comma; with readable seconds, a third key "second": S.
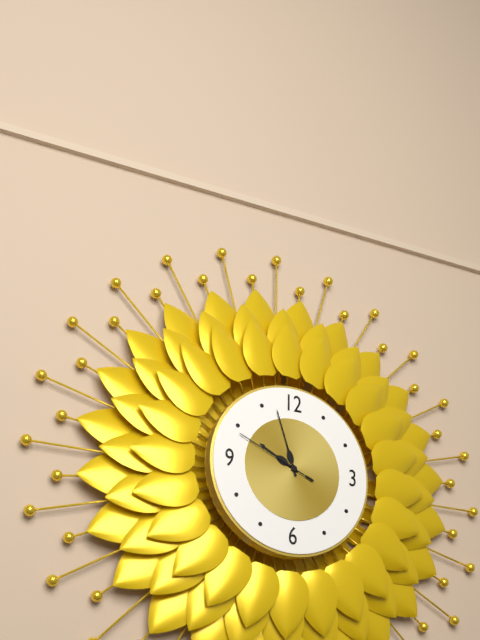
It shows {"hour": 9, "minute": 57, "second": 49}
